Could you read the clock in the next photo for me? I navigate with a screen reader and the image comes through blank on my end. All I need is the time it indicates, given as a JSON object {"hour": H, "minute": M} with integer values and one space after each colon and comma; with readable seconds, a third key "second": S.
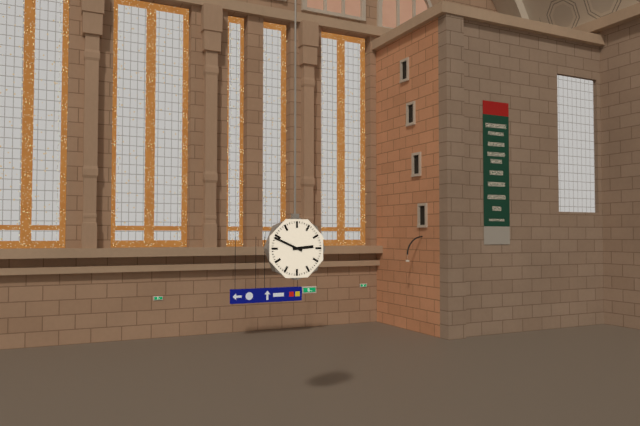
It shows {"hour": 2, "minute": 49}
